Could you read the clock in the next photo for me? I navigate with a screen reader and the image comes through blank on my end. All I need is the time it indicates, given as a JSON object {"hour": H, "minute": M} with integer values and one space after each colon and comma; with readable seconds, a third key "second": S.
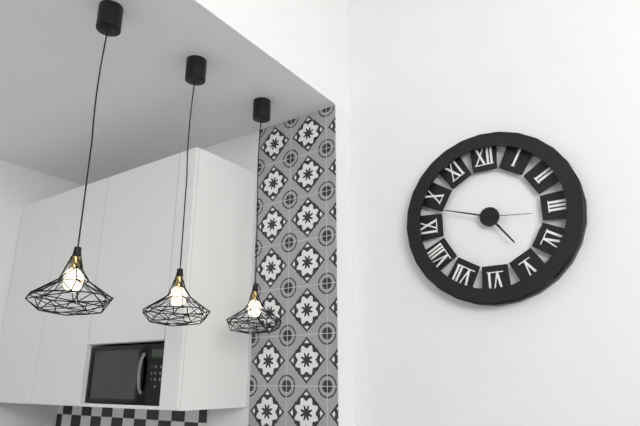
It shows {"hour": 4, "minute": 48, "second": 16}
